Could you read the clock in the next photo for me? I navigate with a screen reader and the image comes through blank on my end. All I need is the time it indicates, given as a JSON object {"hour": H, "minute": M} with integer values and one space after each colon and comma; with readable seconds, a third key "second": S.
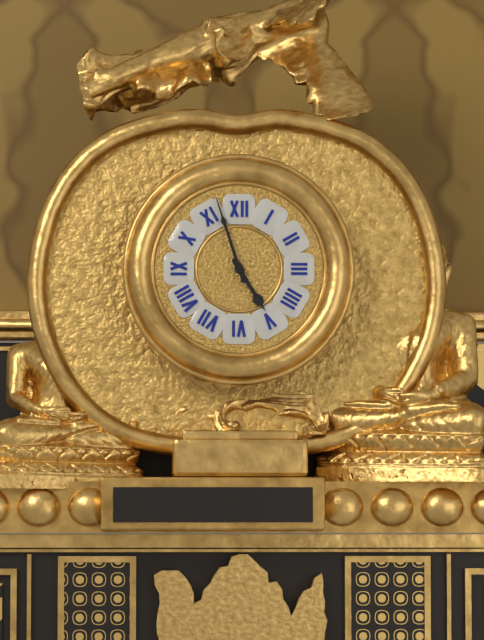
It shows {"hour": 4, "minute": 57}
